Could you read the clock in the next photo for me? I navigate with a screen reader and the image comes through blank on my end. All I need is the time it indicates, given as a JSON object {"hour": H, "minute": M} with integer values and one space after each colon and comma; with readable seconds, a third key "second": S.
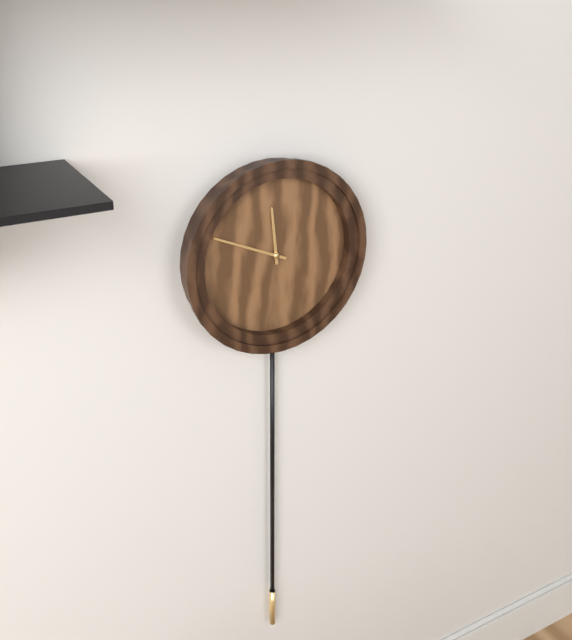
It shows {"hour": 11, "minute": 49}
